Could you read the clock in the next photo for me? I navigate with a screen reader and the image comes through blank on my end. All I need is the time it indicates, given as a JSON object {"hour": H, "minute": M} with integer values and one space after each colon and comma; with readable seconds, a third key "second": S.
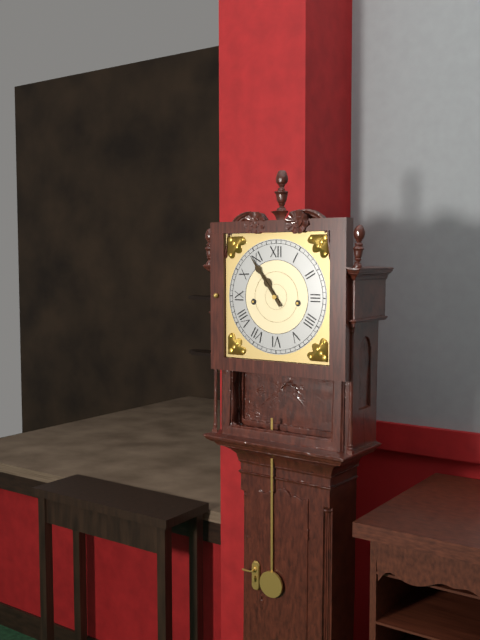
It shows {"hour": 10, "minute": 54}
